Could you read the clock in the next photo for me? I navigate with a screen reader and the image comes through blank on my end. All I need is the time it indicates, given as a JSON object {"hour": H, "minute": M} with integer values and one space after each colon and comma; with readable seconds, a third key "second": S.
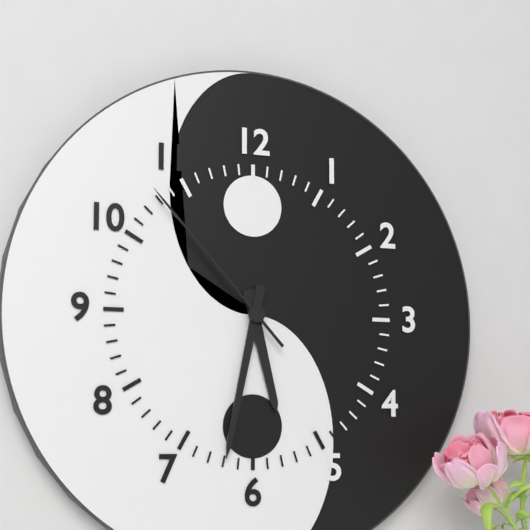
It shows {"hour": 5, "minute": 32, "second": 53}
